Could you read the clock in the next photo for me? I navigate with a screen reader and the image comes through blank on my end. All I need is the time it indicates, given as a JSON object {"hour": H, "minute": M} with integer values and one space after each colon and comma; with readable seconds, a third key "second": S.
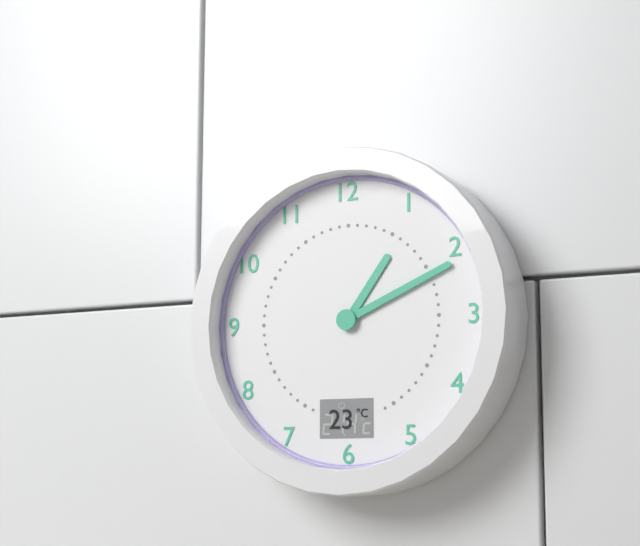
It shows {"hour": 1, "minute": 11}
